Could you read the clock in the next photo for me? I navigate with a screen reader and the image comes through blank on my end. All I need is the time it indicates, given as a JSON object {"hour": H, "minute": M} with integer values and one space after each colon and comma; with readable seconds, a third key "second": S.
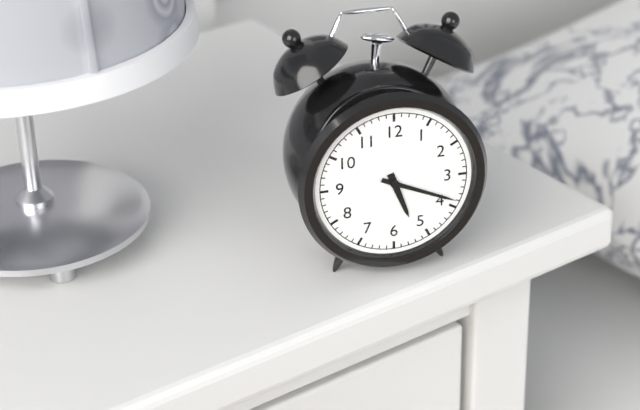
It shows {"hour": 5, "minute": 19}
